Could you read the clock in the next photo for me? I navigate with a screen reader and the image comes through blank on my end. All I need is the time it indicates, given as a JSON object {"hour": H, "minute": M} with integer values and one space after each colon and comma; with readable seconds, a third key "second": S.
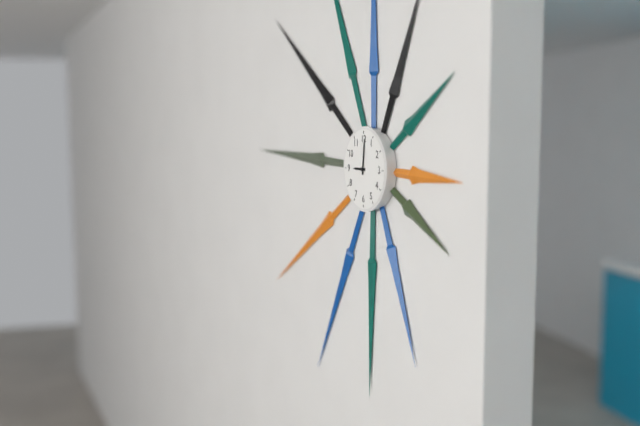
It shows {"hour": 9, "minute": 1}
